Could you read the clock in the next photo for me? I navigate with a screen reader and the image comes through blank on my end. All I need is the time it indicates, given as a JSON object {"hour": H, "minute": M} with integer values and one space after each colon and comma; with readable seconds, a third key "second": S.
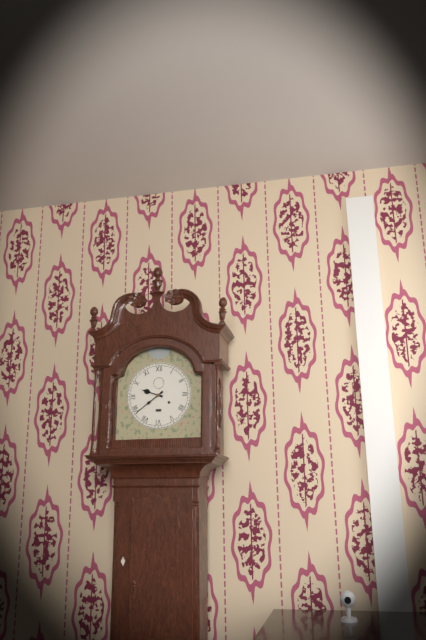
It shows {"hour": 9, "minute": 39}
